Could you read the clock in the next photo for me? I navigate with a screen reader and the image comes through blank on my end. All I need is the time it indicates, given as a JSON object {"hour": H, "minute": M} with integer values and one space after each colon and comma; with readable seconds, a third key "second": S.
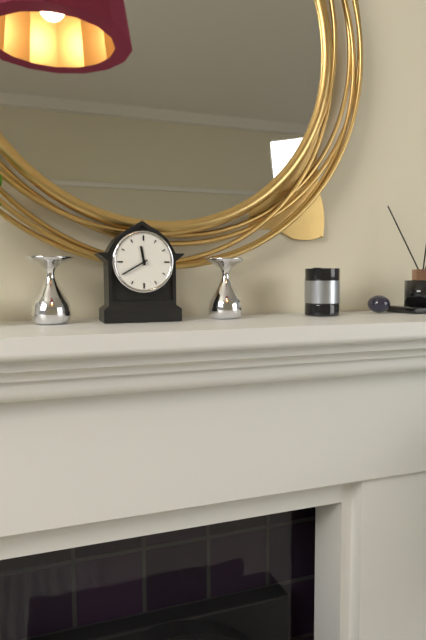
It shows {"hour": 11, "minute": 40}
